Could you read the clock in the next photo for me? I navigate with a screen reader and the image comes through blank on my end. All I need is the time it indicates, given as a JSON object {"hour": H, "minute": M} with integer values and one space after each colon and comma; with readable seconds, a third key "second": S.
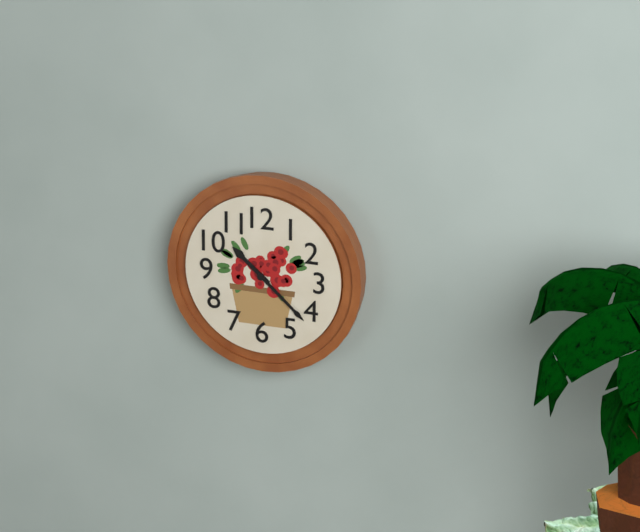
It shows {"hour": 10, "minute": 22}
